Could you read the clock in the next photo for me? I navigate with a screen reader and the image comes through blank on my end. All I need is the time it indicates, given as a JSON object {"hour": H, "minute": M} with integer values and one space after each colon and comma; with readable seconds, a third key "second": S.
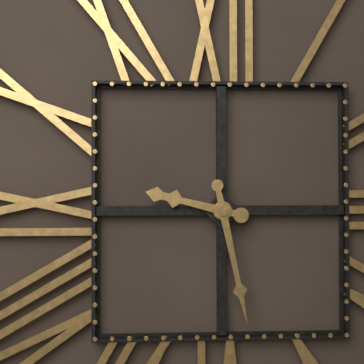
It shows {"hour": 9, "minute": 28}
